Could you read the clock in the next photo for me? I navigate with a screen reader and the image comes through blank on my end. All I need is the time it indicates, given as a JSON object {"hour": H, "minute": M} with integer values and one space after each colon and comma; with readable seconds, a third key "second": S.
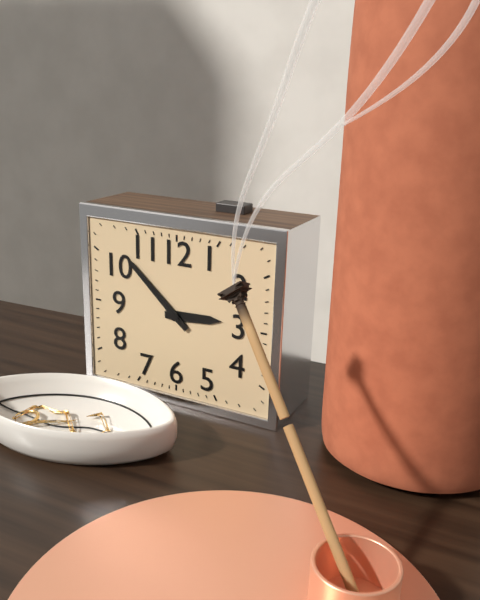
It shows {"hour": 2, "minute": 52}
